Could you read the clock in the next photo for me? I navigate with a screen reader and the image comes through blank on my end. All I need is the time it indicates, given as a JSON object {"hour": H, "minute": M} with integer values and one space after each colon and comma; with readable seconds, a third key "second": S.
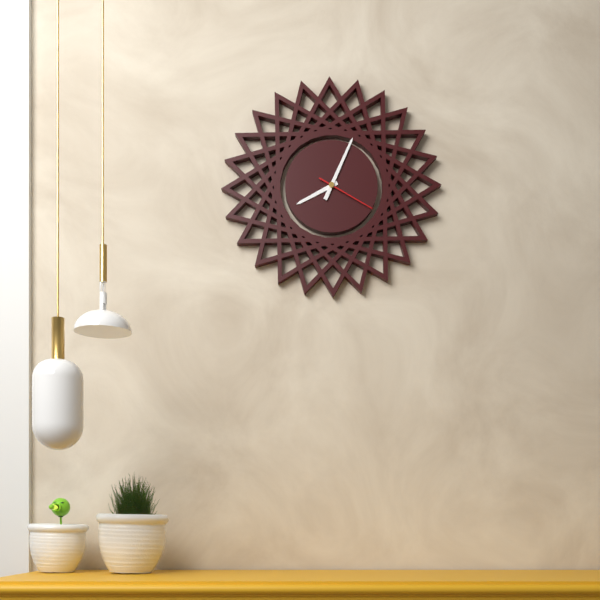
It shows {"hour": 8, "minute": 4, "second": 20}
